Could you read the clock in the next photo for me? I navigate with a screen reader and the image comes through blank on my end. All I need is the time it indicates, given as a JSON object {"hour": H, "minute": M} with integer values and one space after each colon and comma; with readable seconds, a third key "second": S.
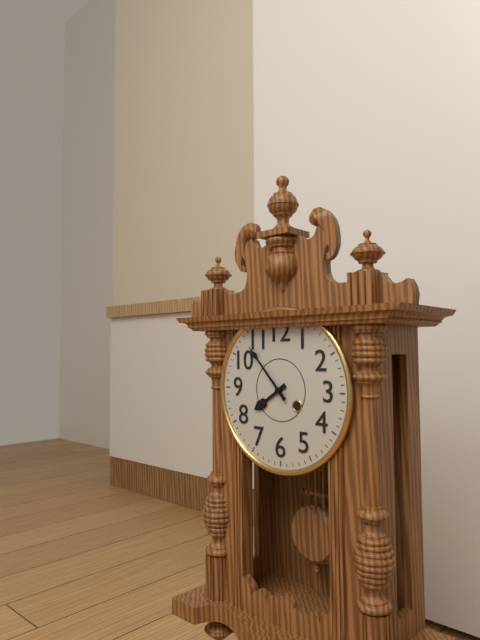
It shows {"hour": 7, "minute": 53}
